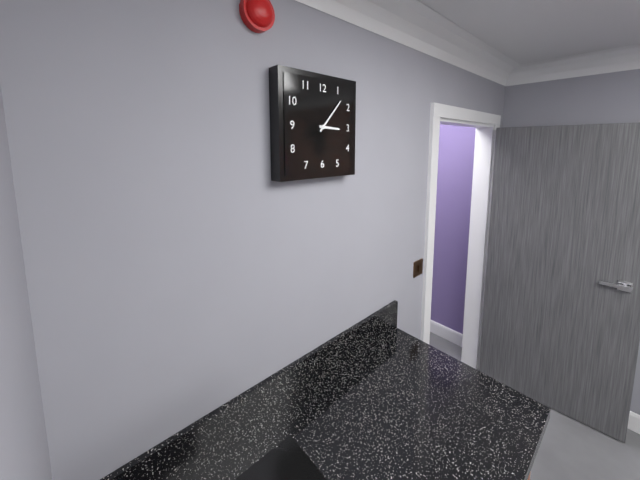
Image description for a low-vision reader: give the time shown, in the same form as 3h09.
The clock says 3h07
